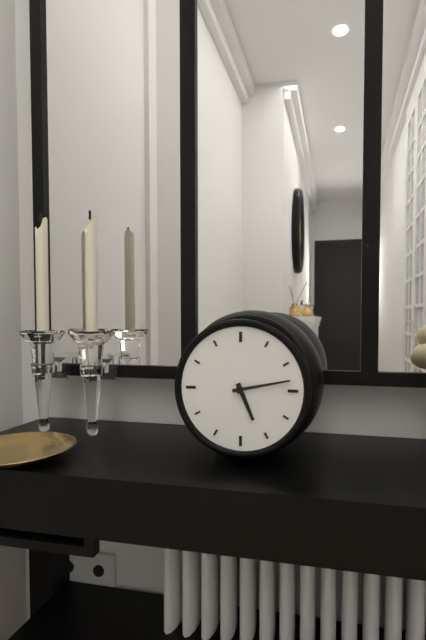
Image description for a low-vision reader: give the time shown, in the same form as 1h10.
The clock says 5h13
